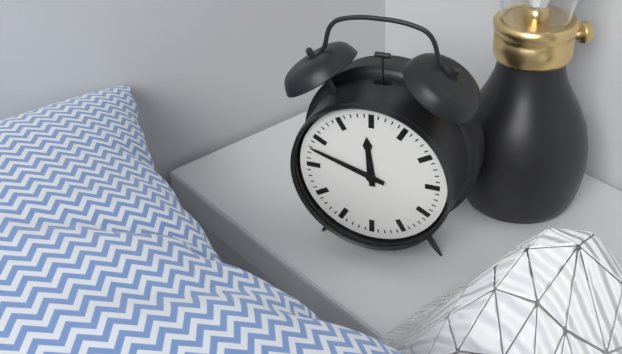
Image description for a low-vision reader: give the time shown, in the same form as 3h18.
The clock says 11h48
